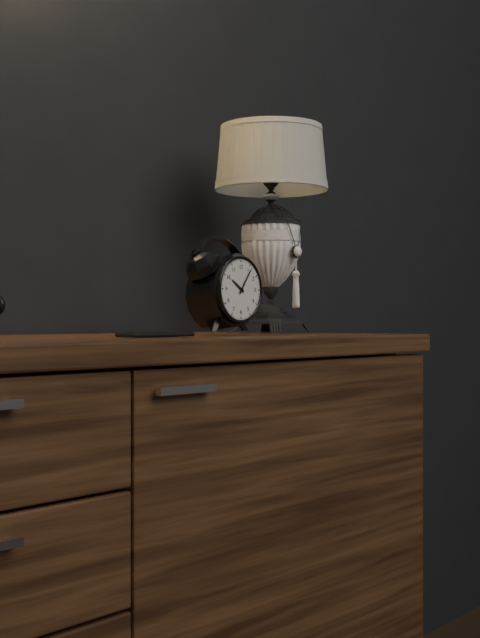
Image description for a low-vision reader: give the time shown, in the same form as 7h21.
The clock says 10h06
